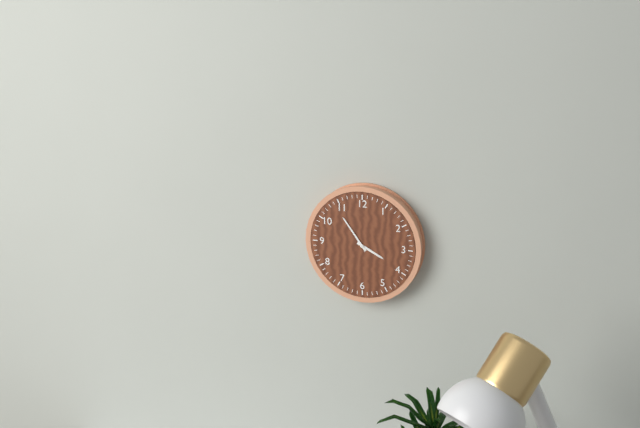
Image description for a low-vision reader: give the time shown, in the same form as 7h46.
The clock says 3h54
